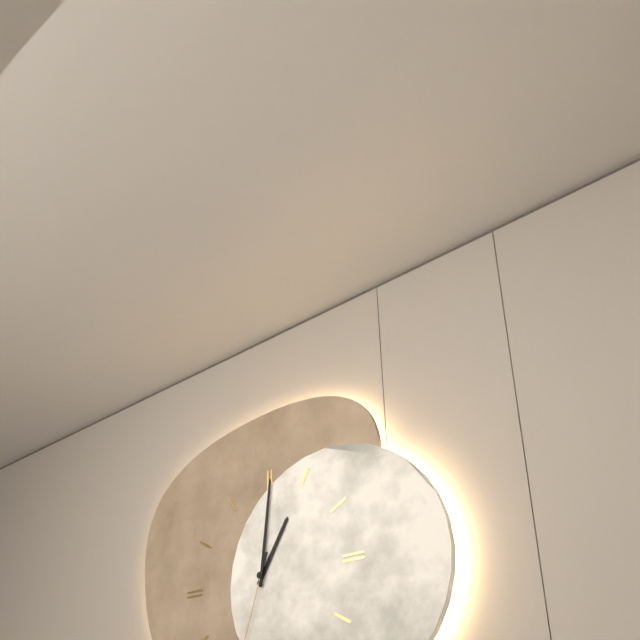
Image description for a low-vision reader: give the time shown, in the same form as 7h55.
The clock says 1h01
